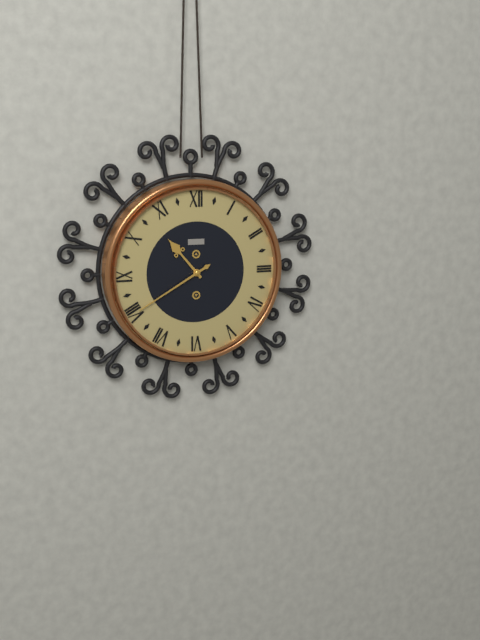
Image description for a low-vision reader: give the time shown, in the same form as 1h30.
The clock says 10h40
